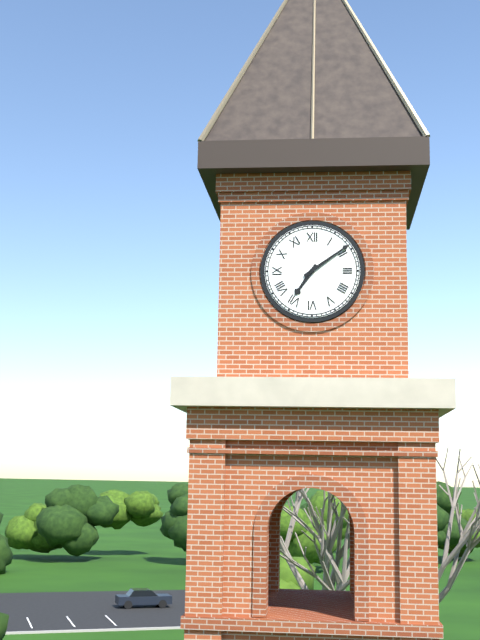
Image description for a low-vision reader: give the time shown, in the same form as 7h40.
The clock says 7h09
